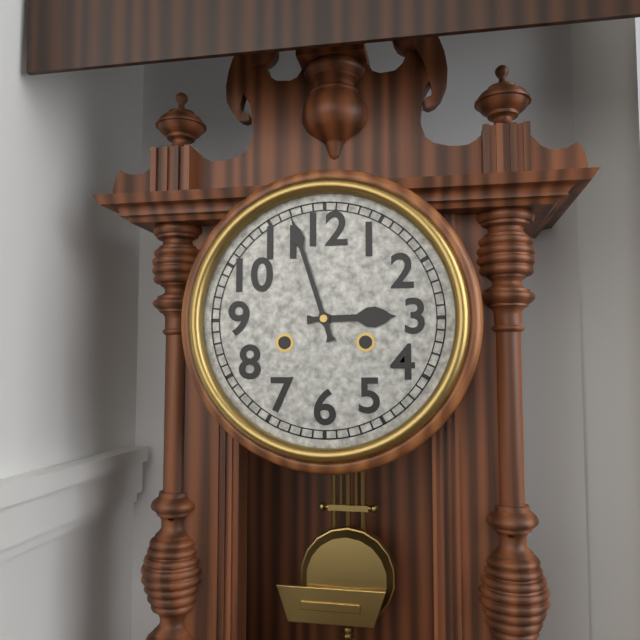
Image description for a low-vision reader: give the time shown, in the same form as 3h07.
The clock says 2h57
